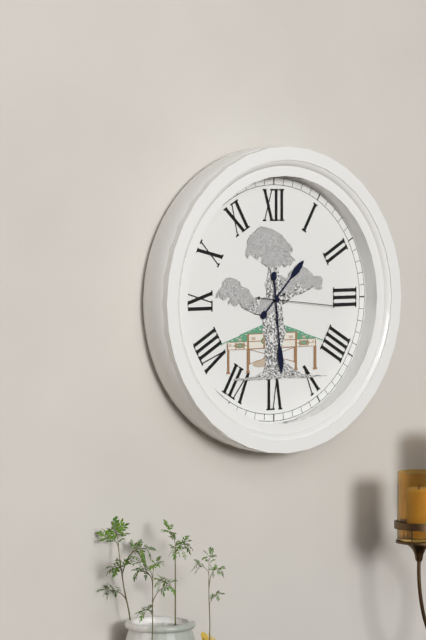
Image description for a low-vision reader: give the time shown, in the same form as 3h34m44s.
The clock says 1h29m16s
